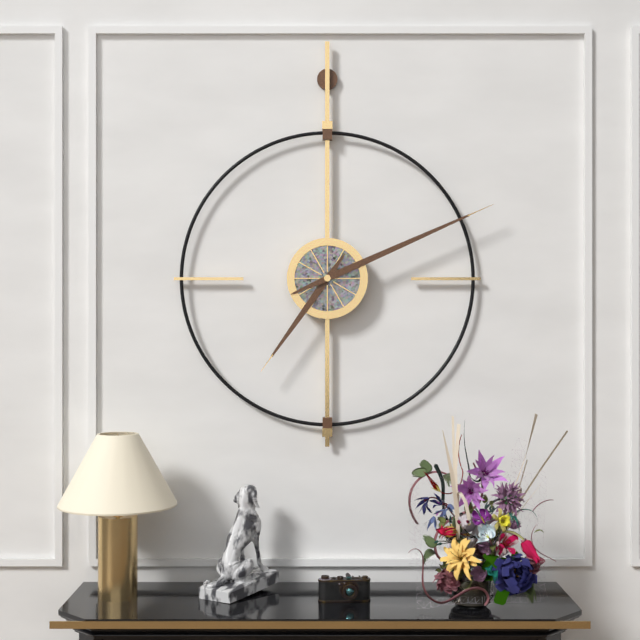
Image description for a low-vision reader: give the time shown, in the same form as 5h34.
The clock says 7h11
